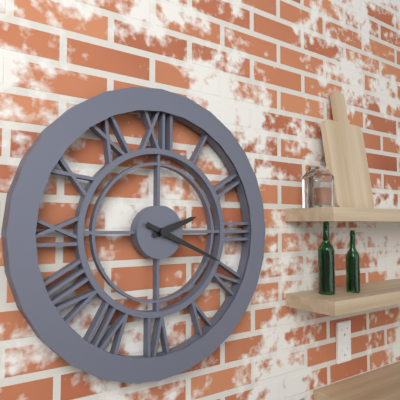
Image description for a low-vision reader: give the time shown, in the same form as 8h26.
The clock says 2h19
